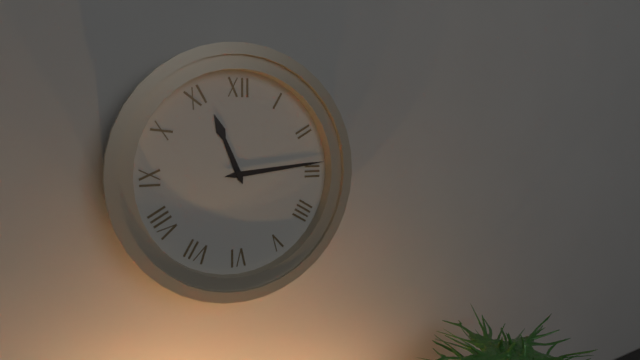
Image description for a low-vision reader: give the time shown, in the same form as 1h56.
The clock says 11h14
